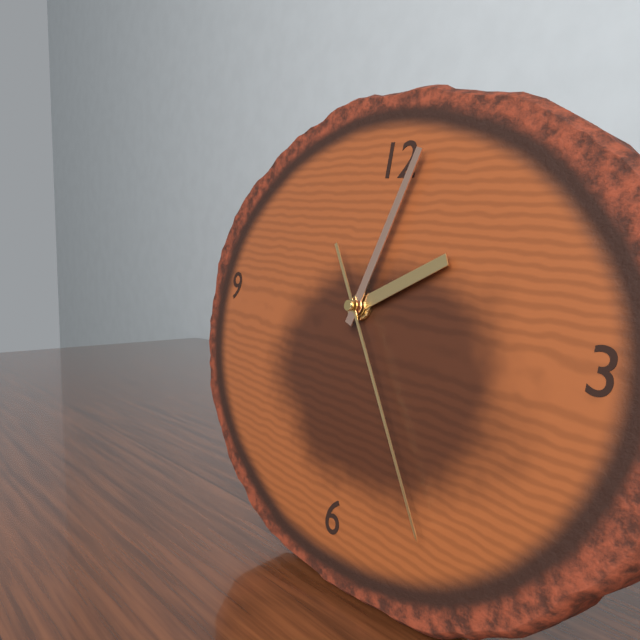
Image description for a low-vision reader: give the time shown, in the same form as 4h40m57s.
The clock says 2h03m24s
